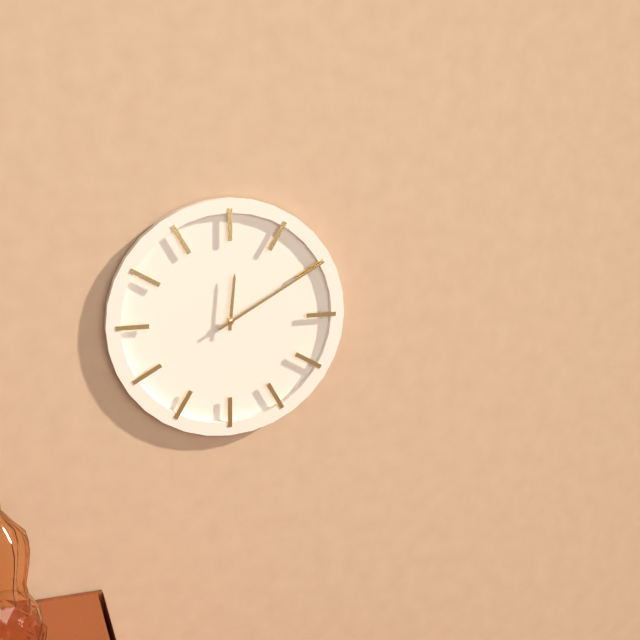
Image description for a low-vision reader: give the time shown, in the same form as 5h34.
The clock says 12h10
